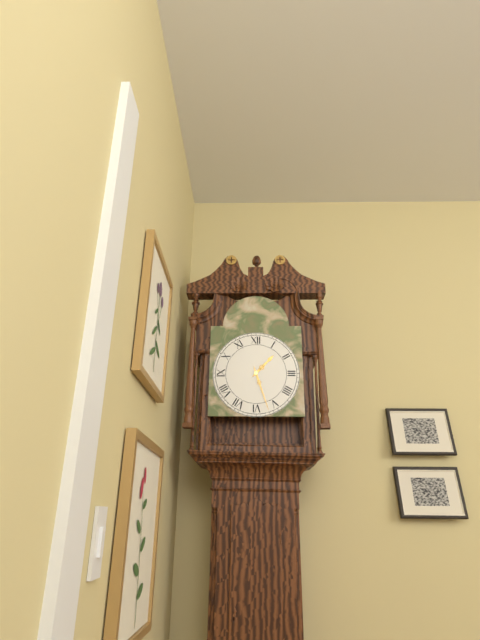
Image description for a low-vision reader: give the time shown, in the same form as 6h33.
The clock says 1h27
